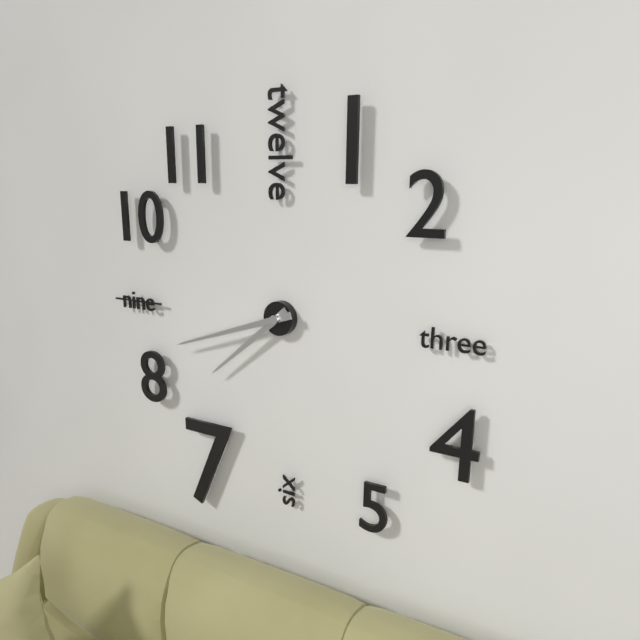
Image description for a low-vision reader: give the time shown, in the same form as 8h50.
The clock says 7h42
